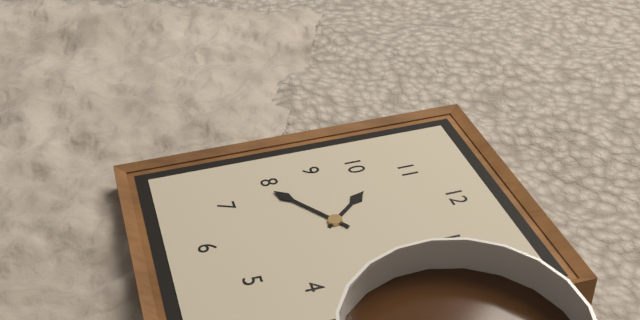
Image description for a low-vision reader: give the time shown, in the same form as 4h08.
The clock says 10h39
